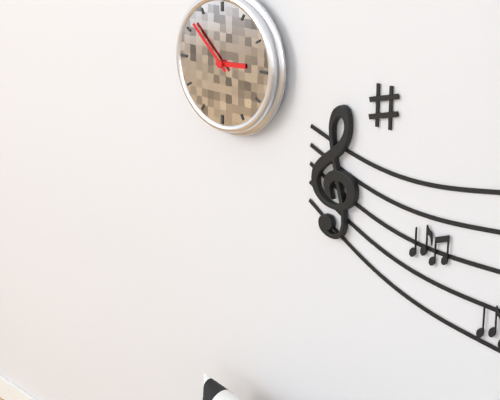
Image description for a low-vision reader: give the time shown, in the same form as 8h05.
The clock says 2h52
